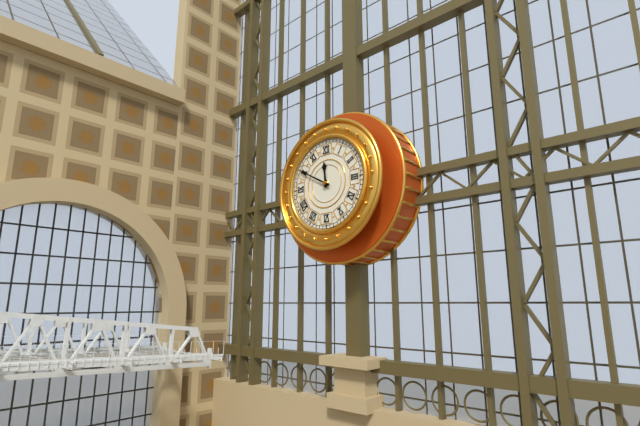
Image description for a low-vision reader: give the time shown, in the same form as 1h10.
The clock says 11h50
